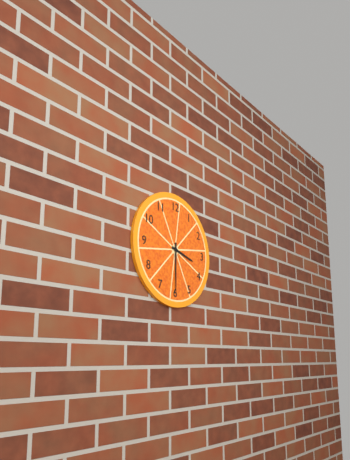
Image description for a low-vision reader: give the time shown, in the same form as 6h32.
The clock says 3h30
